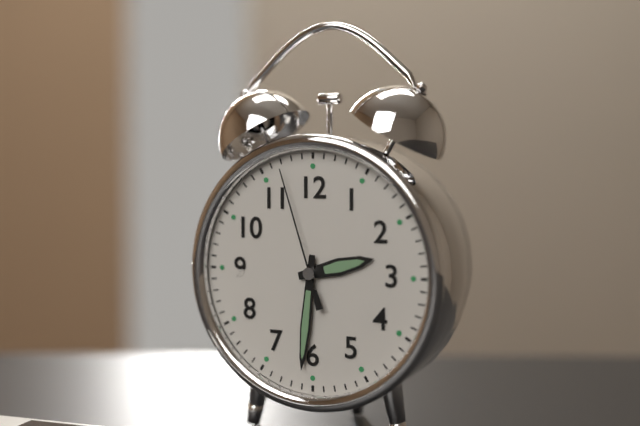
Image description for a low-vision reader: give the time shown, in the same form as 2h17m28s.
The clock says 2h31m57s
